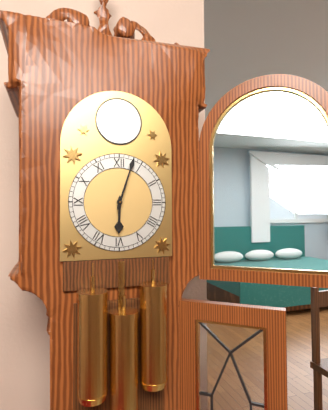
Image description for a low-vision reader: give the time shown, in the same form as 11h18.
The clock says 6h03
